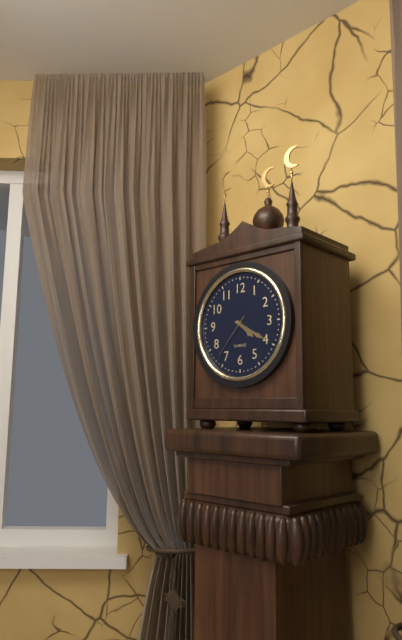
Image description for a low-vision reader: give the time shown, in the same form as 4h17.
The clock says 4h20
